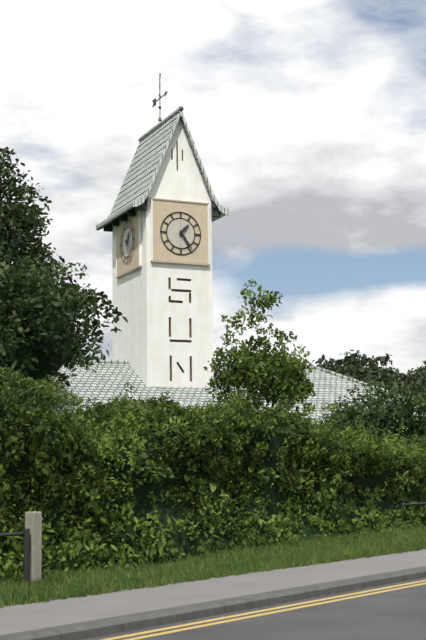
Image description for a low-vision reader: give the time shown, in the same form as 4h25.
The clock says 1h24
